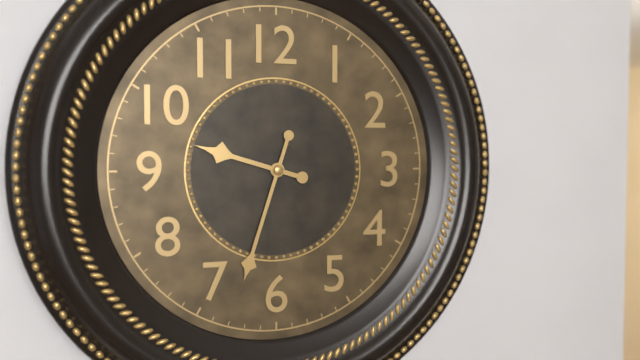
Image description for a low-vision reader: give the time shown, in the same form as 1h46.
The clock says 9h33
